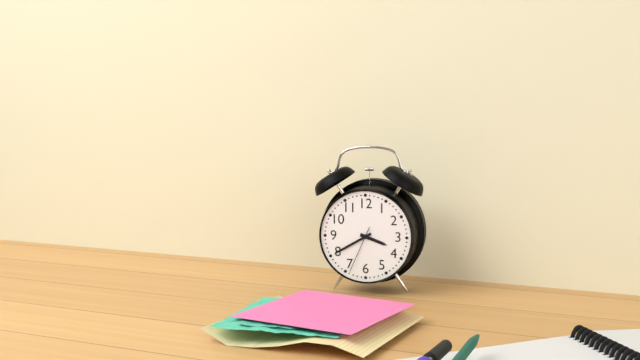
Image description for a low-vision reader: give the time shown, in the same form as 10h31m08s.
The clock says 3h40m34s
